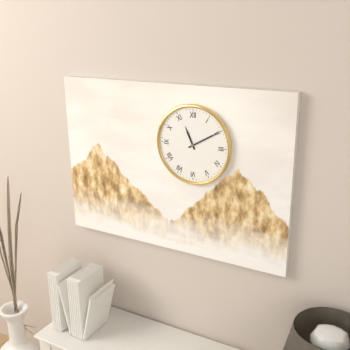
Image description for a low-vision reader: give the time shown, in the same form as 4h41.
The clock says 11h10
